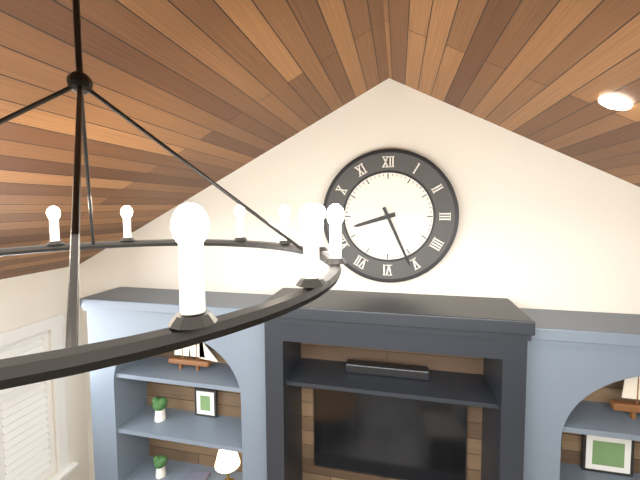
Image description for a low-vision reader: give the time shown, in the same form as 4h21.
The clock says 8h26
